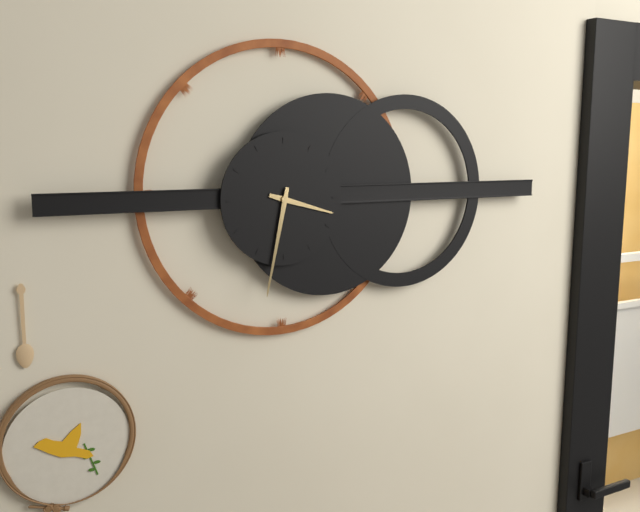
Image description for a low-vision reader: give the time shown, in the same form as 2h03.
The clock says 3h32
